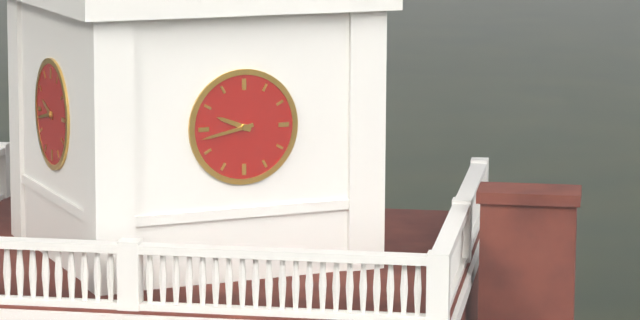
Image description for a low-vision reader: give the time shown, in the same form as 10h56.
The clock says 9h43
